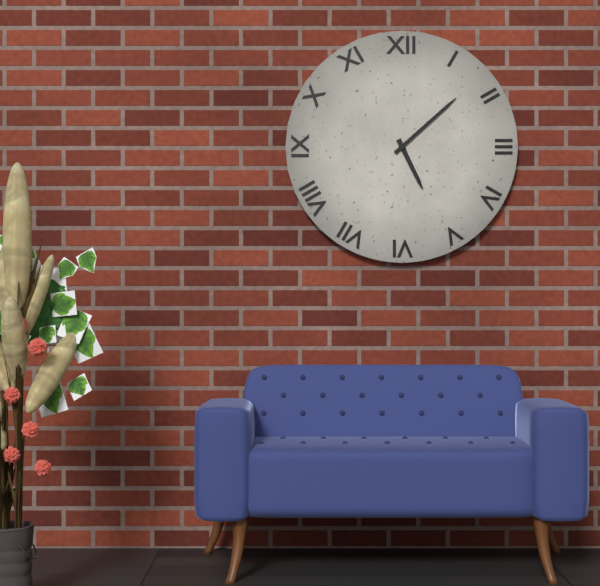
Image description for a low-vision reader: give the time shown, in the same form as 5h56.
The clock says 5h08
